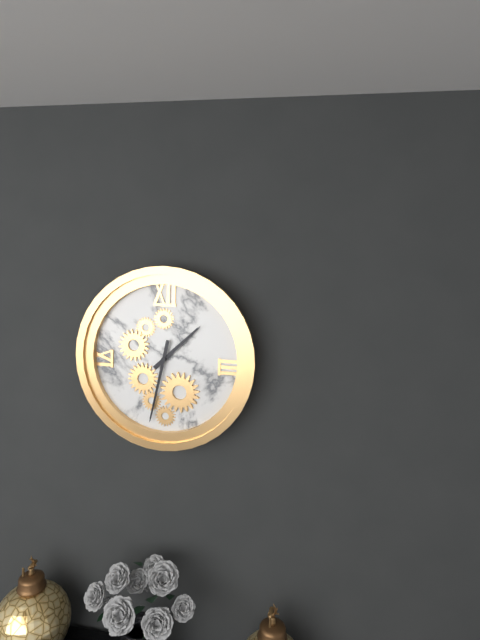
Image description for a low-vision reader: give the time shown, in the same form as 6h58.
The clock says 1h32
